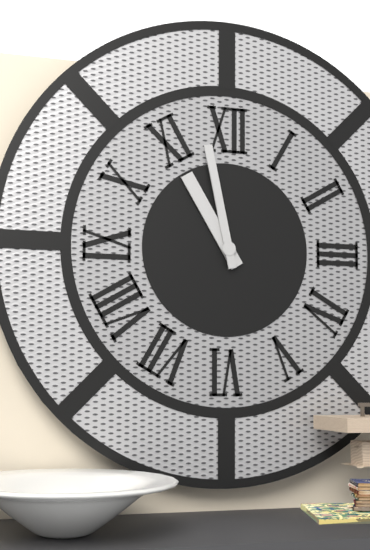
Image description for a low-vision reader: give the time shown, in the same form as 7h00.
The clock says 10h58
